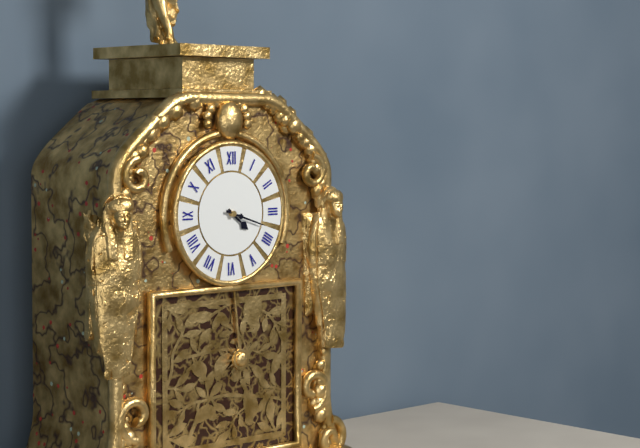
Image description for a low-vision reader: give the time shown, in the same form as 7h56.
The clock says 4h18
